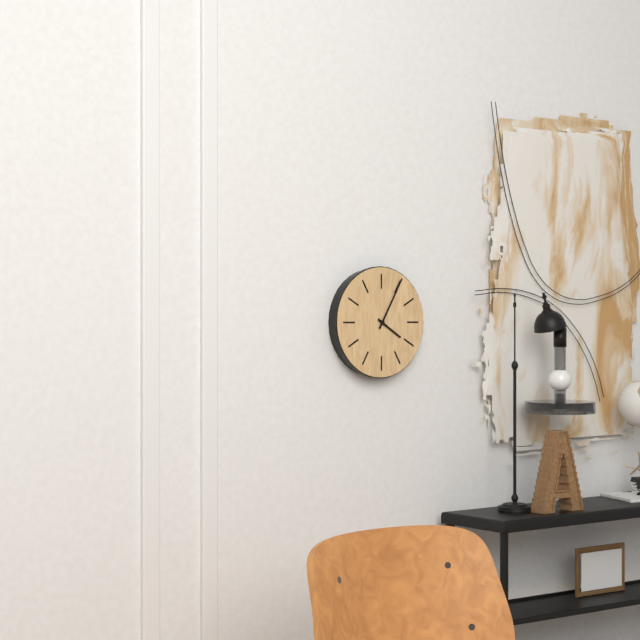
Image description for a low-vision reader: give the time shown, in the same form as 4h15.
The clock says 4h05
